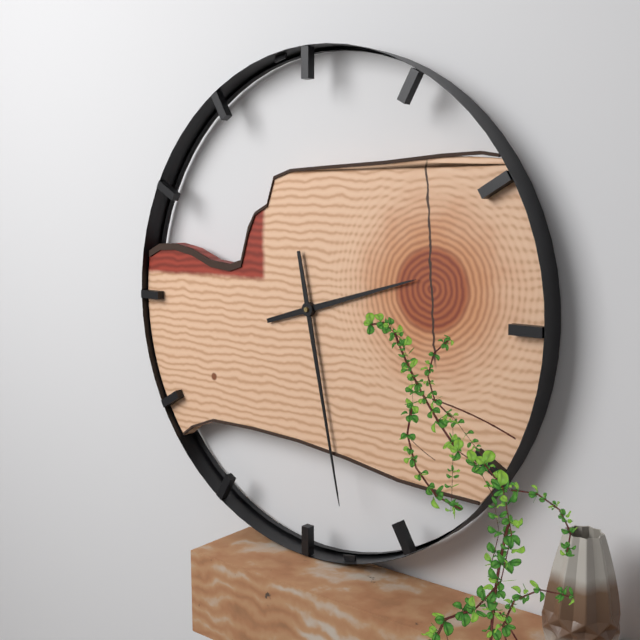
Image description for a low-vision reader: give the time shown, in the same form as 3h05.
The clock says 2h28
